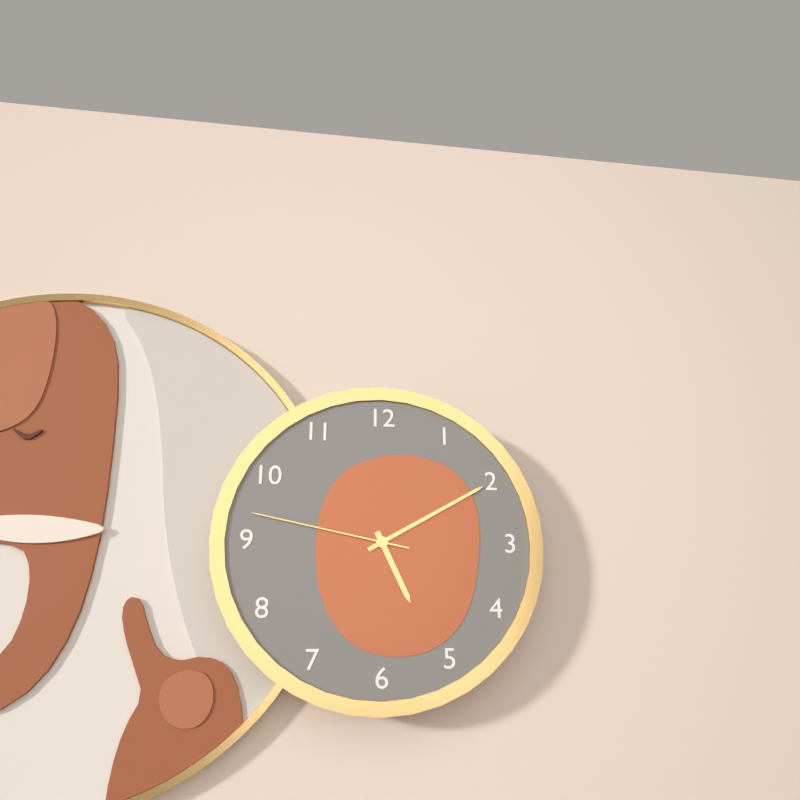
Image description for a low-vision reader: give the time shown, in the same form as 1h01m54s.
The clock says 5h10m47s
